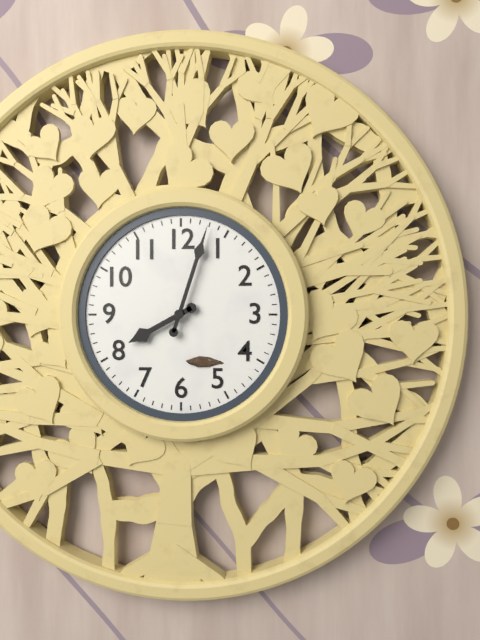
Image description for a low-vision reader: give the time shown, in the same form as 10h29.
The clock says 8h03
